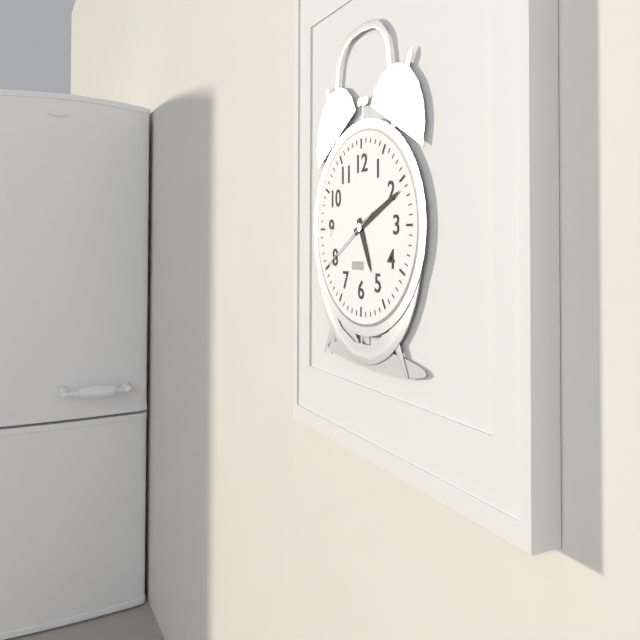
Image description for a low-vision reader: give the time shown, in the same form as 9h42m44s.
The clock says 5h11m40s
